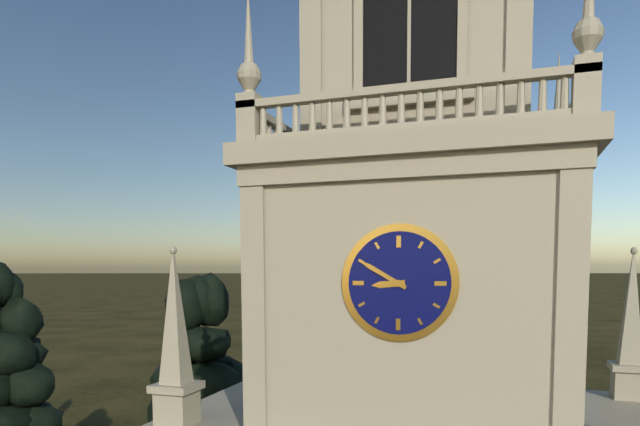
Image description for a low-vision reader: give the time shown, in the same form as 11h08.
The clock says 8h50
